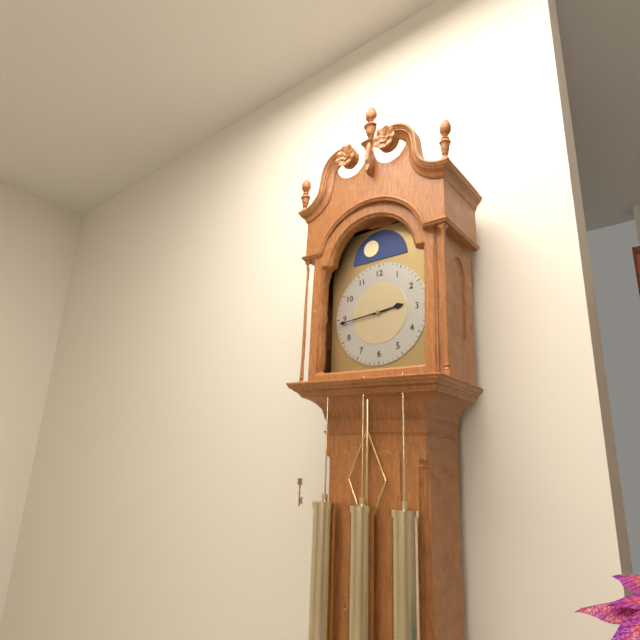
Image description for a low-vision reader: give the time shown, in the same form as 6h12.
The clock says 2h44
